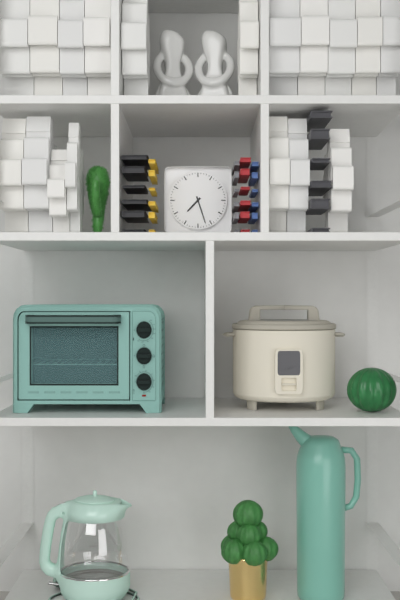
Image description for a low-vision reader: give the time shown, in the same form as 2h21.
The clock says 7h27
